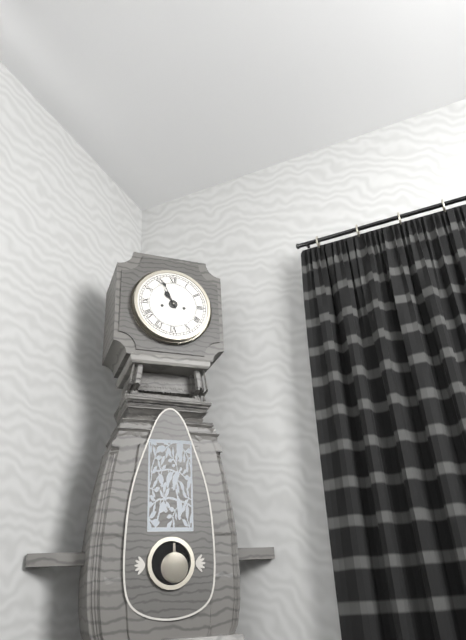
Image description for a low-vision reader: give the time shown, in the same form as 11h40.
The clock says 10h56
